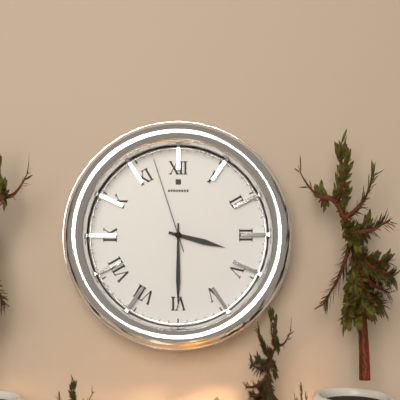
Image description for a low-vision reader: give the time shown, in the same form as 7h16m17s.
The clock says 3h30m57s
